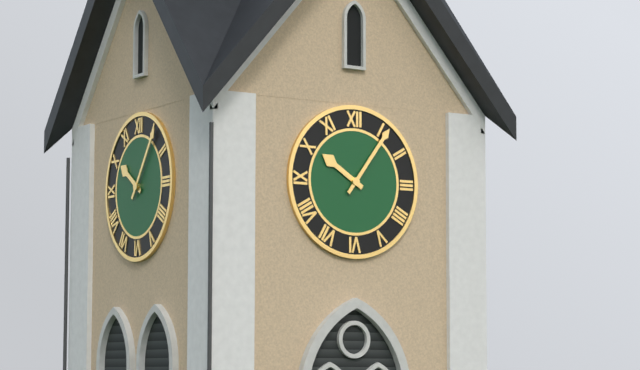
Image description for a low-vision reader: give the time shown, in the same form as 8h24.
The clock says 10h06
